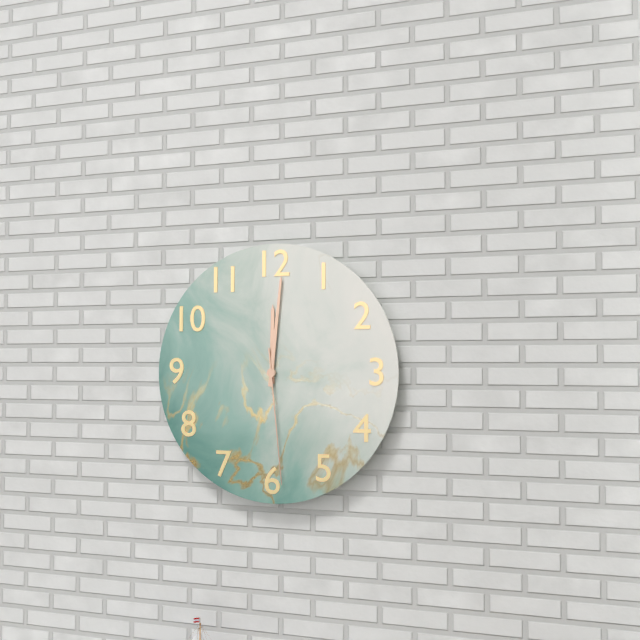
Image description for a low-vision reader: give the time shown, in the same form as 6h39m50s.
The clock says 12h01m29s
